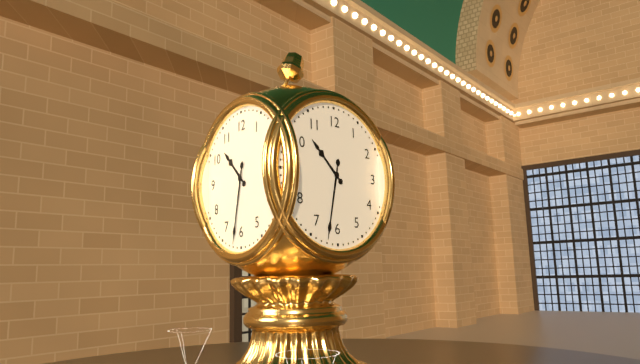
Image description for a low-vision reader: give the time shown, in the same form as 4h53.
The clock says 10h32
